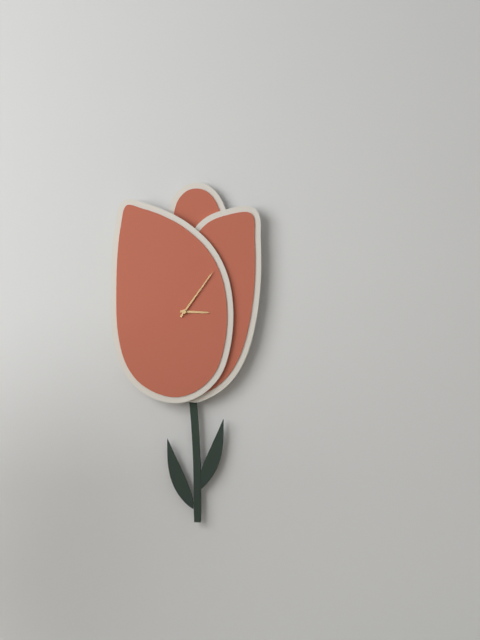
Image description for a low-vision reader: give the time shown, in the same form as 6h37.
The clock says 3h06
